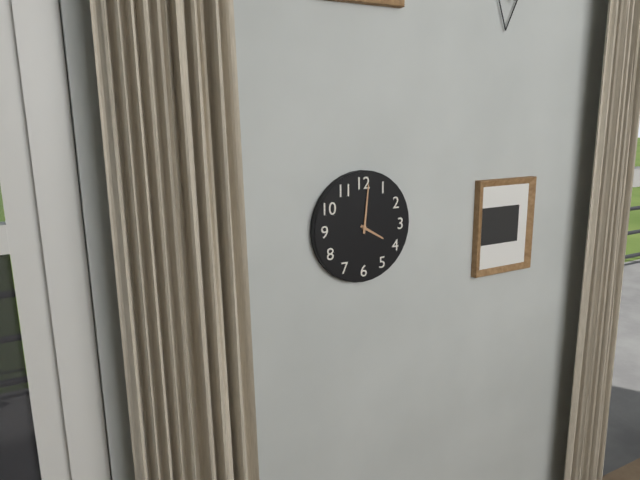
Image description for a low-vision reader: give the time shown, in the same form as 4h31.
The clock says 4h01
